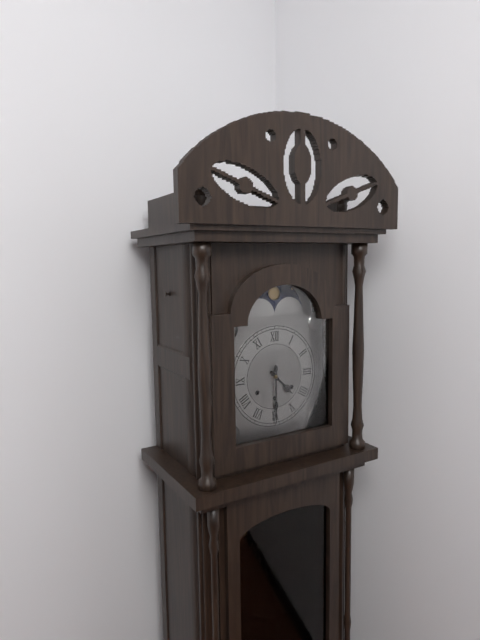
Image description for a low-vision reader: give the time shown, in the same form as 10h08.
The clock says 4h30
